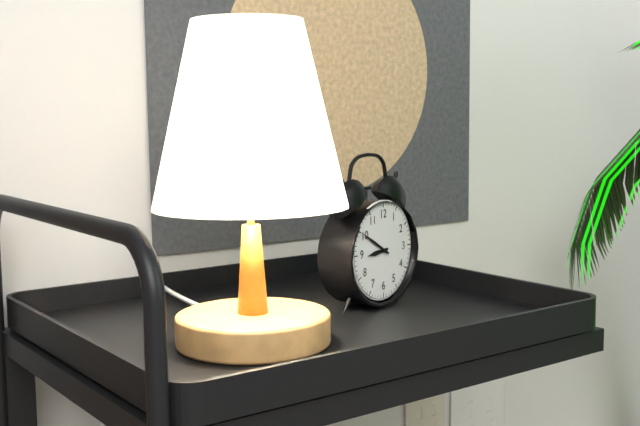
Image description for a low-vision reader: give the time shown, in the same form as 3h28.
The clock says 8h50
